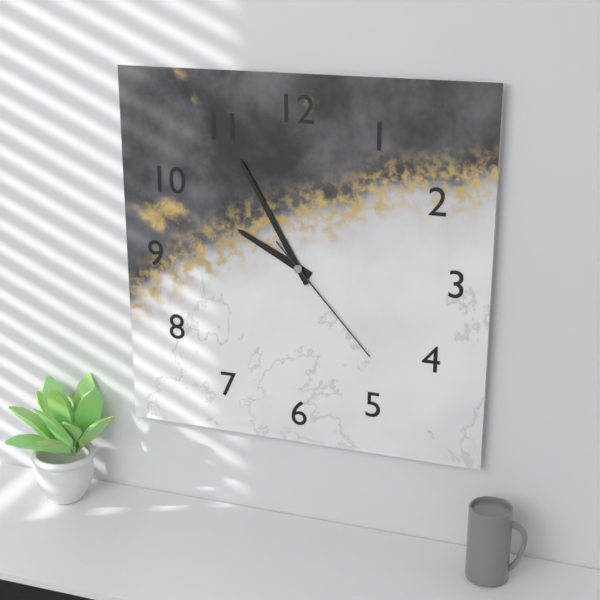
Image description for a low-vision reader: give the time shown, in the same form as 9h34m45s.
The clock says 9h55m23s
